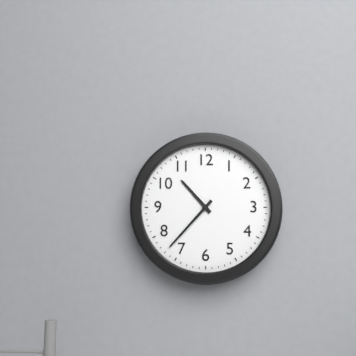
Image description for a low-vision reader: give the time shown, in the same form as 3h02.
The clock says 10h37
